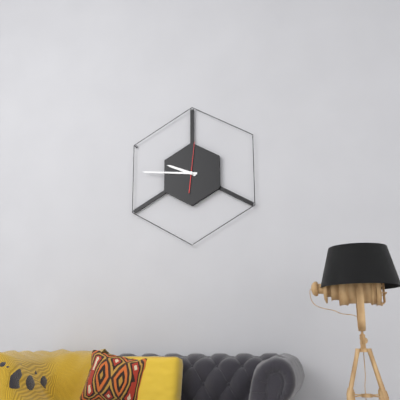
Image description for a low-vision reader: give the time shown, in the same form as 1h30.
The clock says 9h46
